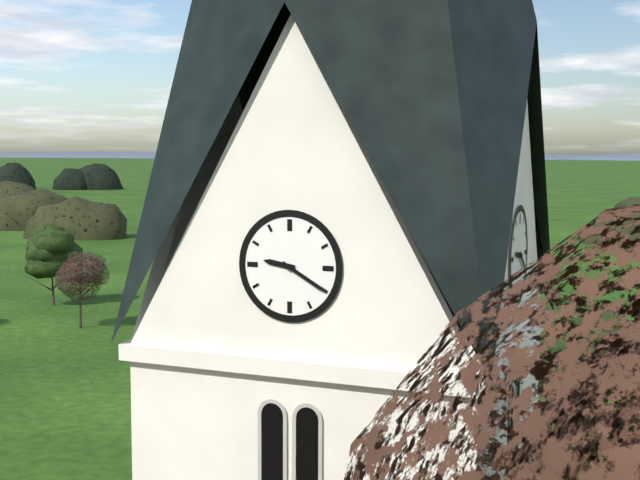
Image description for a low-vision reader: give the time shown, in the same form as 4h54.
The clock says 9h20
